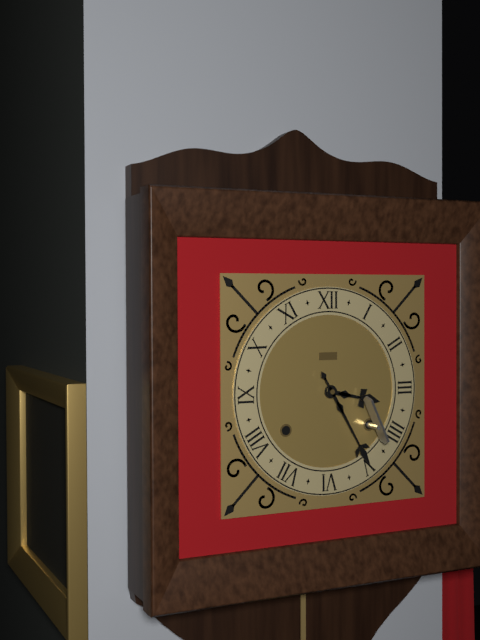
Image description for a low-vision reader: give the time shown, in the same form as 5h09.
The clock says 3h25
